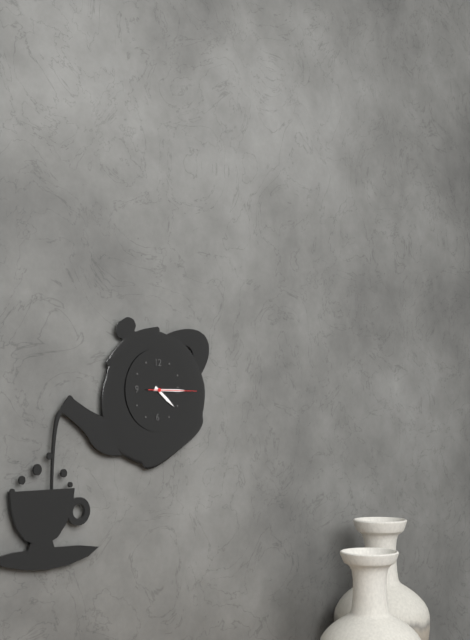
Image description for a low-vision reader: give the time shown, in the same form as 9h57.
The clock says 4h15
